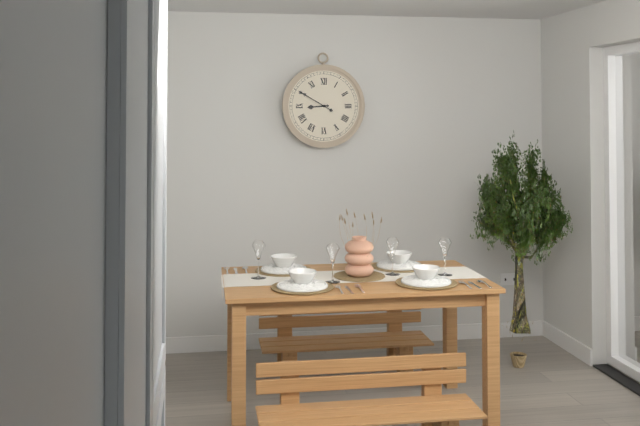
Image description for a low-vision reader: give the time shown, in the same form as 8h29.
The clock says 8h50
